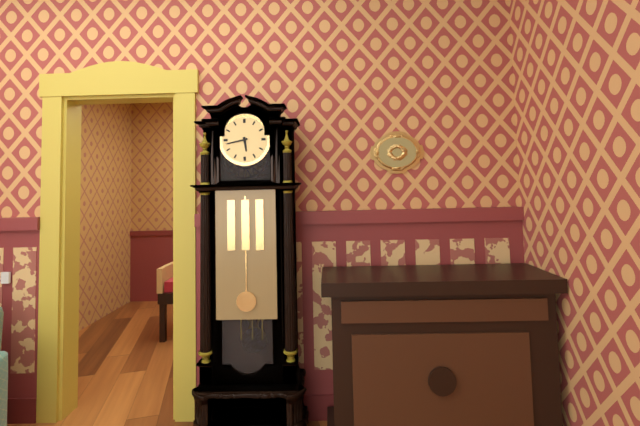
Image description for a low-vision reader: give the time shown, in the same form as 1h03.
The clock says 5h43
